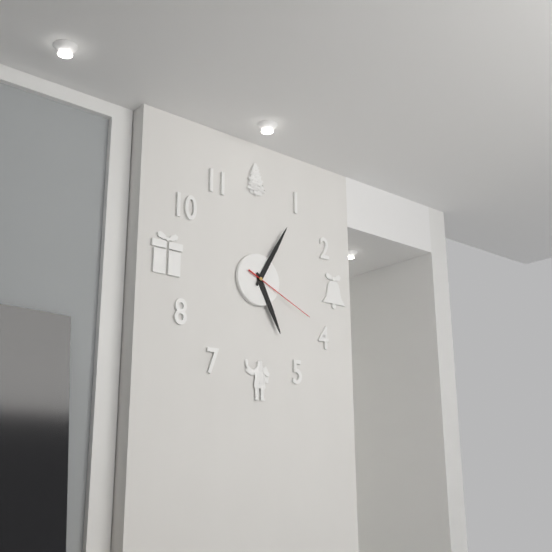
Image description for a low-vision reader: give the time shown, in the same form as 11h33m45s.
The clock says 5h05m19s
